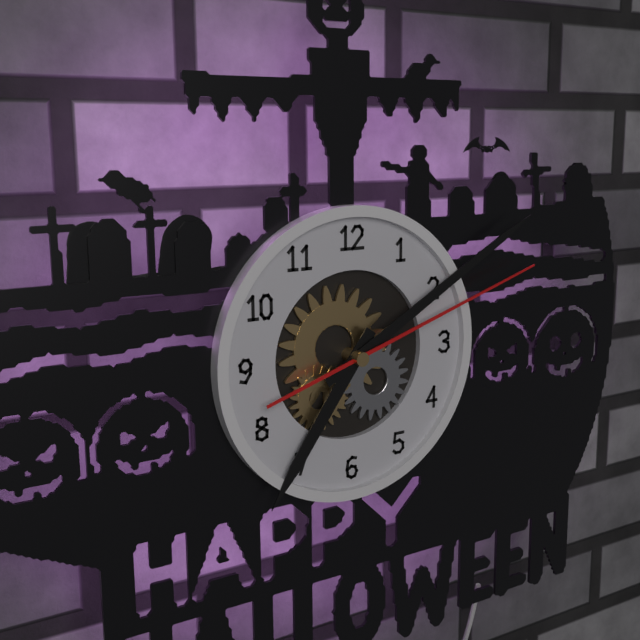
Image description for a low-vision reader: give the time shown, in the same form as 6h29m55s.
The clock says 7h10m12s
